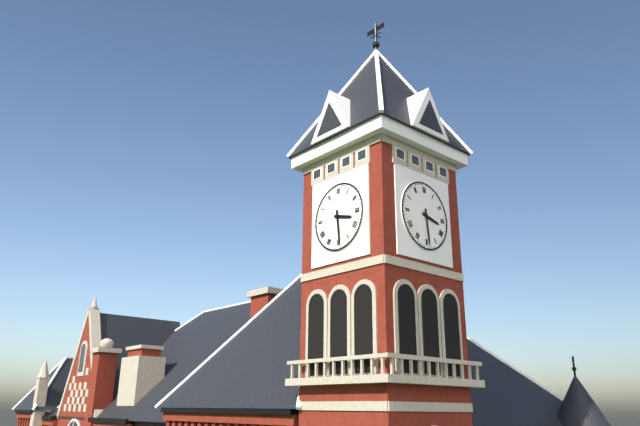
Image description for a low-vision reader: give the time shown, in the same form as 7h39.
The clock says 3h29
